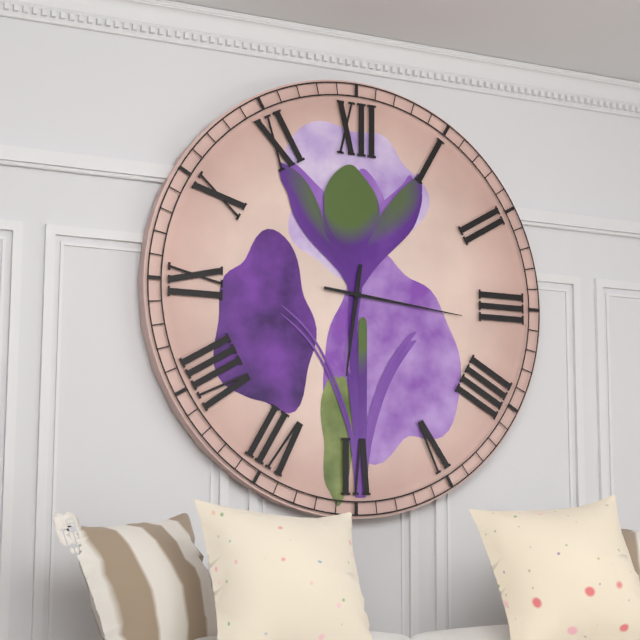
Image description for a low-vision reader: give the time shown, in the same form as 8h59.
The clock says 6h16
